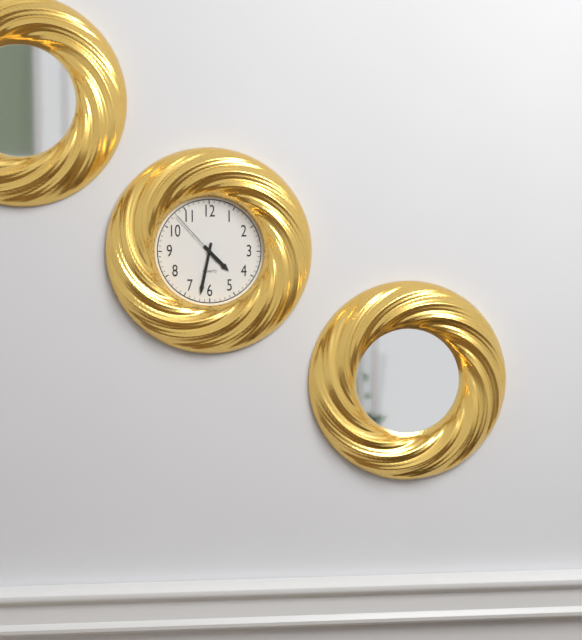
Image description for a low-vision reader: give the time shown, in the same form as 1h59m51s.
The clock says 4h32m53s
